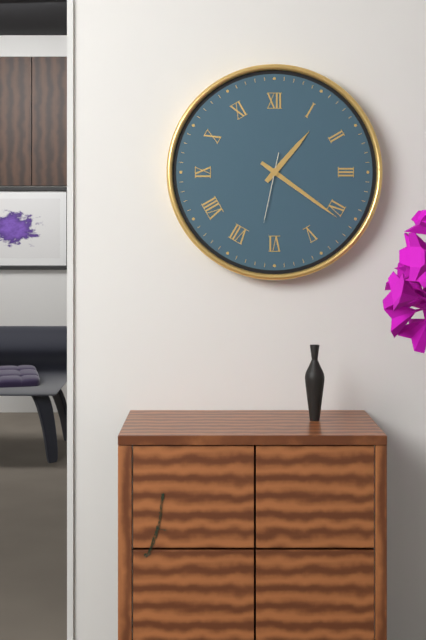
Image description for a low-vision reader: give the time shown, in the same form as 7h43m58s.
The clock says 1h21m32s
